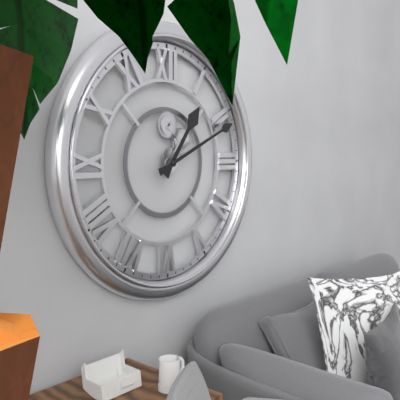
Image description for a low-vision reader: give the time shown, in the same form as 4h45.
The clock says 1h11
